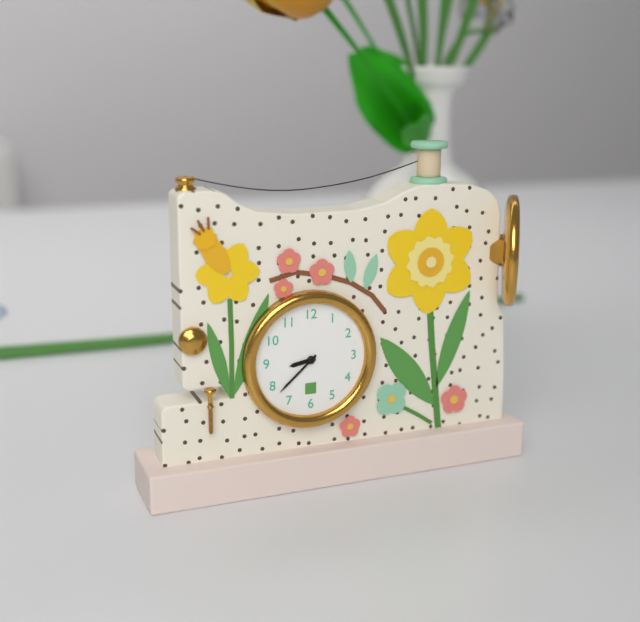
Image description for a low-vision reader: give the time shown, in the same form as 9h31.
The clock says 8h38
